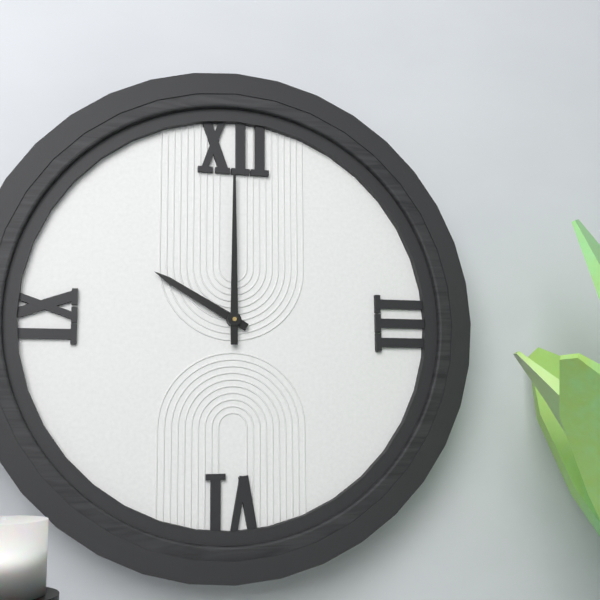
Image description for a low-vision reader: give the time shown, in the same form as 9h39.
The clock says 10h00
